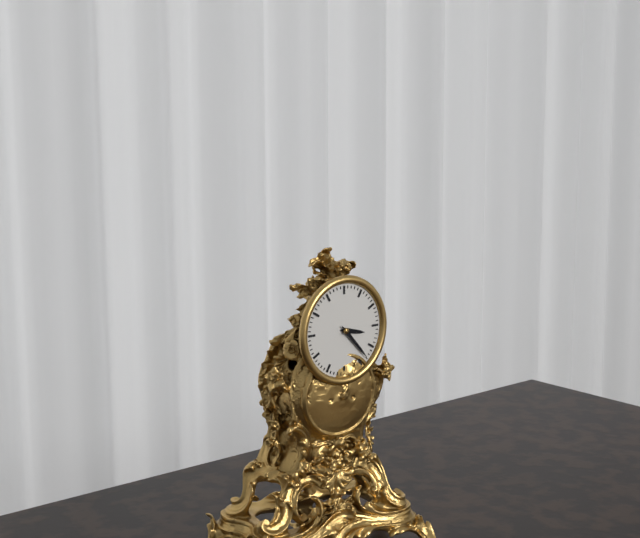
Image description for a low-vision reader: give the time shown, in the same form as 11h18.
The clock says 3h23
